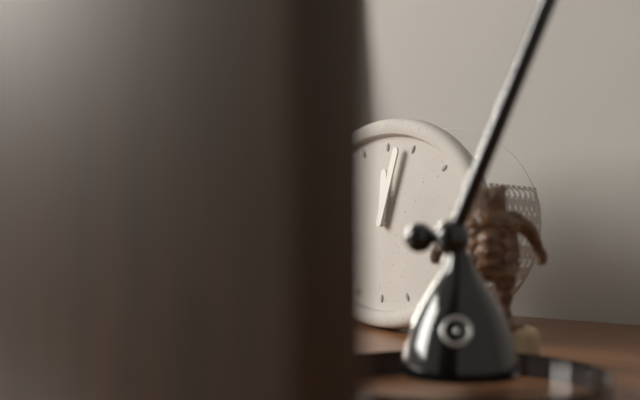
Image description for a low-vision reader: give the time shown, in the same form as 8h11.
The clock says 12h03
